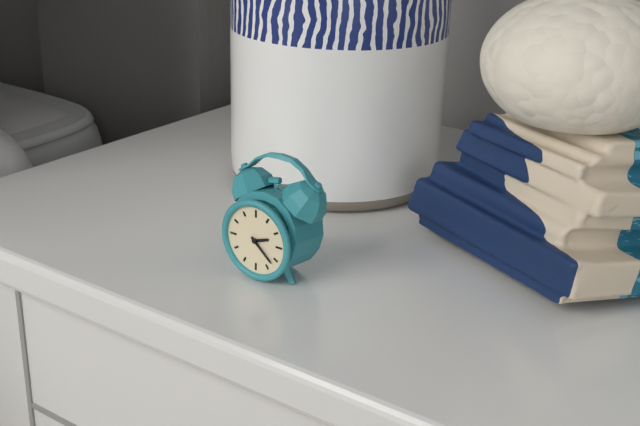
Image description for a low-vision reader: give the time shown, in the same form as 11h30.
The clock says 2h22
